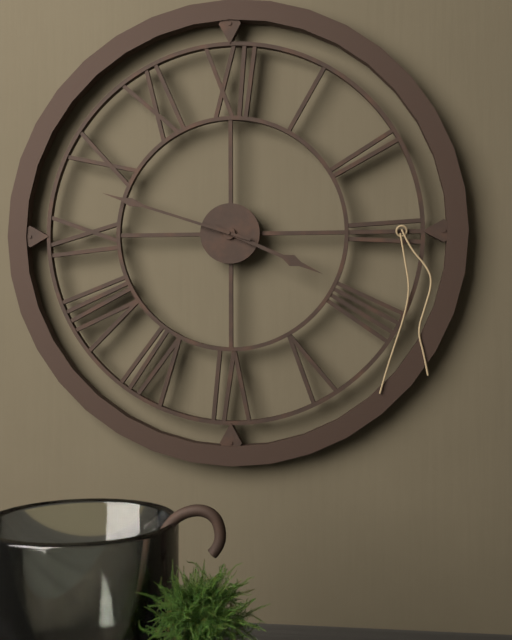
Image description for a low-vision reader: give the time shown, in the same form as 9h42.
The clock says 3h48
